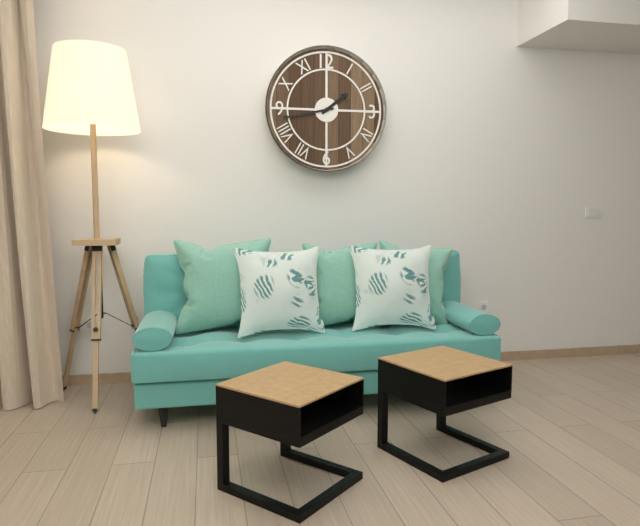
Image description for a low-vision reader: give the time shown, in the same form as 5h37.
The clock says 1h43
